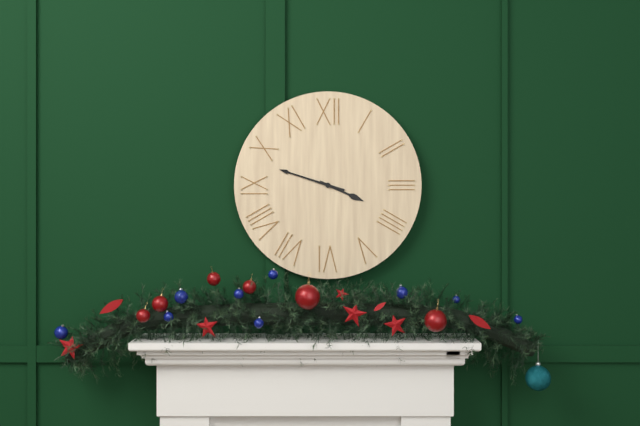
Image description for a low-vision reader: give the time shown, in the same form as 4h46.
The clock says 3h48
